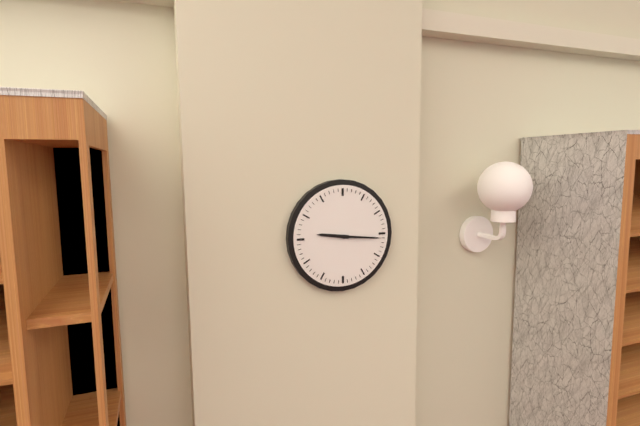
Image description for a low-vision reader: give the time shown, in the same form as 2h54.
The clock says 9h16
